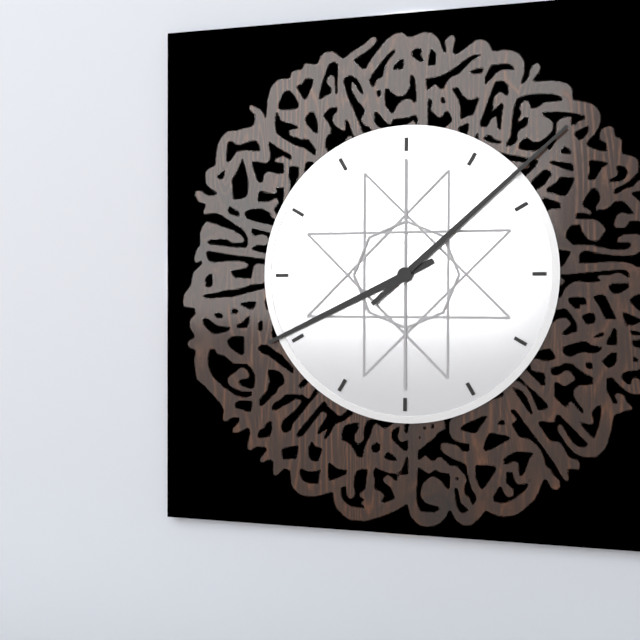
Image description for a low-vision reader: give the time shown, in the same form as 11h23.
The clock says 8h08
